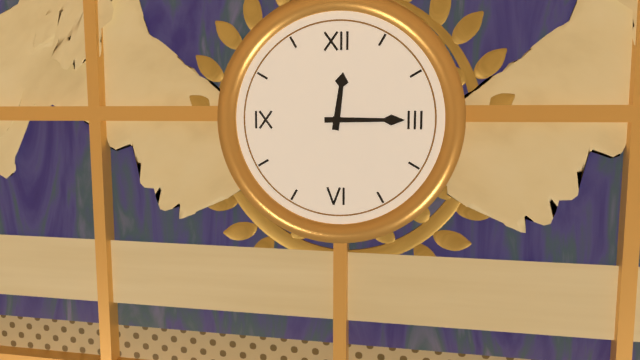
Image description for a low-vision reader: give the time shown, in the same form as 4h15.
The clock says 12h15
